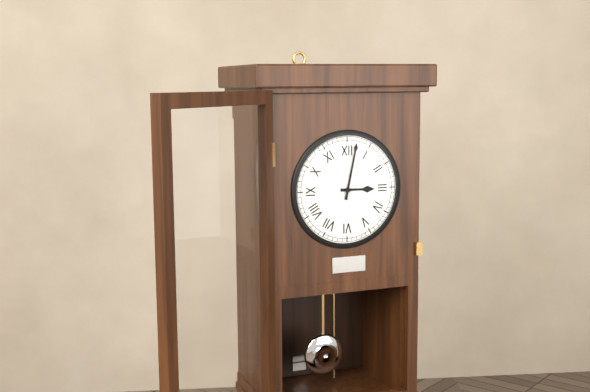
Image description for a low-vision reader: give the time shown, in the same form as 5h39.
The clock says 3h02
